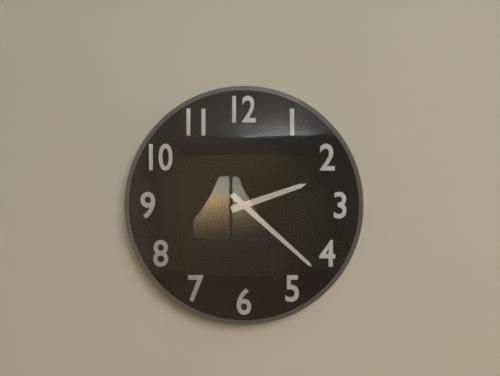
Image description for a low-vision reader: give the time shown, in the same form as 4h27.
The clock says 2h22
